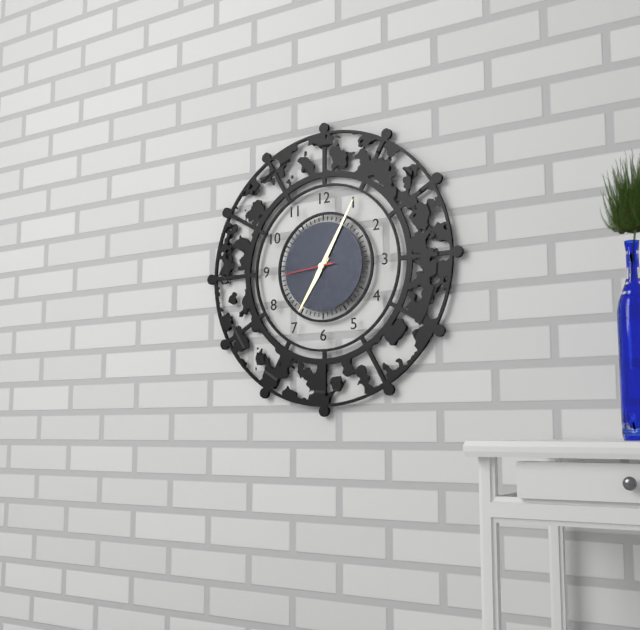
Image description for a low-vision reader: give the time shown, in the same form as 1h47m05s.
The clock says 7h05m44s
